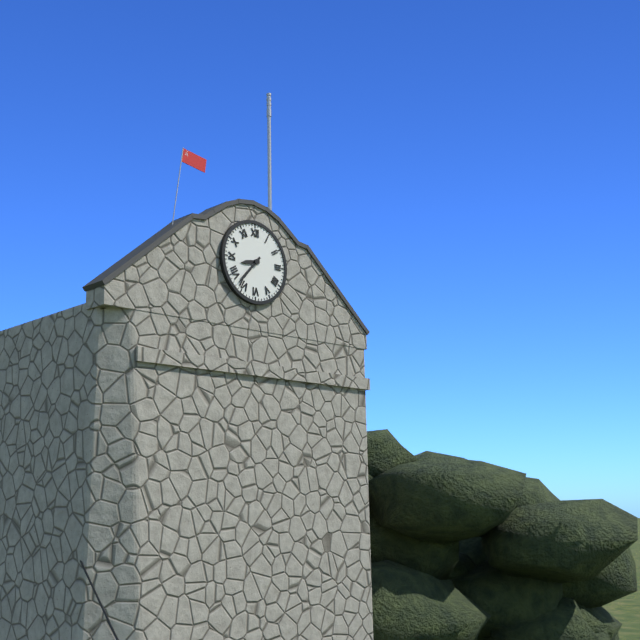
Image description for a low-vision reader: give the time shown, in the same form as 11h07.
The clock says 8h37
